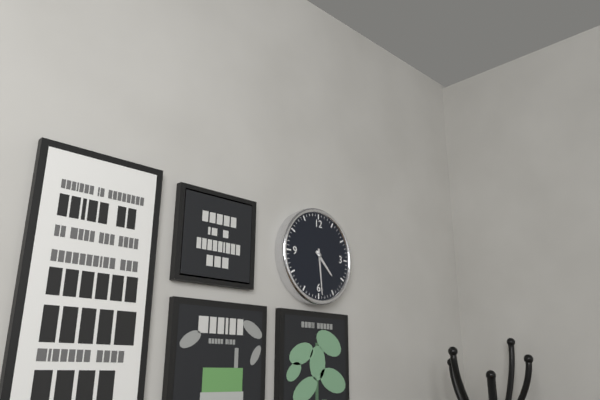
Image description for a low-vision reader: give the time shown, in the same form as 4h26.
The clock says 4h29
